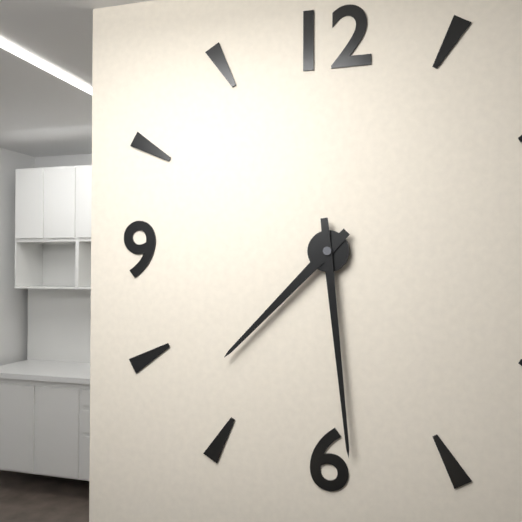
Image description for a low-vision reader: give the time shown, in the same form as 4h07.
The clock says 7h29
